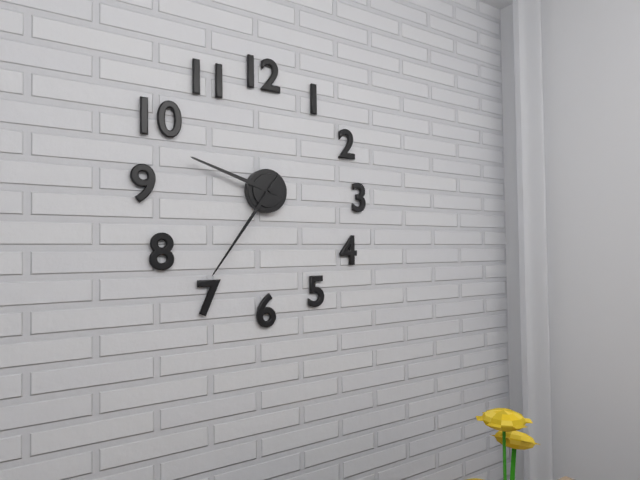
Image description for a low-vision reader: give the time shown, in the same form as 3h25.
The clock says 9h36
